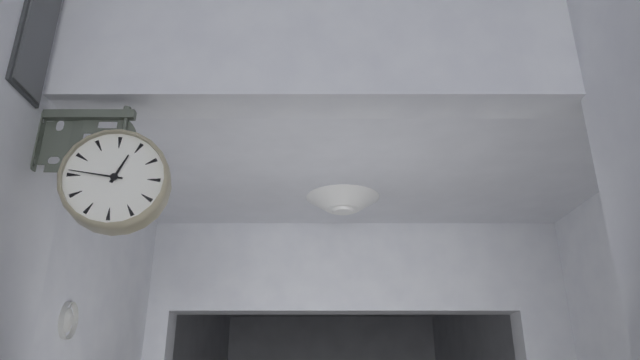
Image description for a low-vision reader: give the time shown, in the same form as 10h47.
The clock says 12h46
